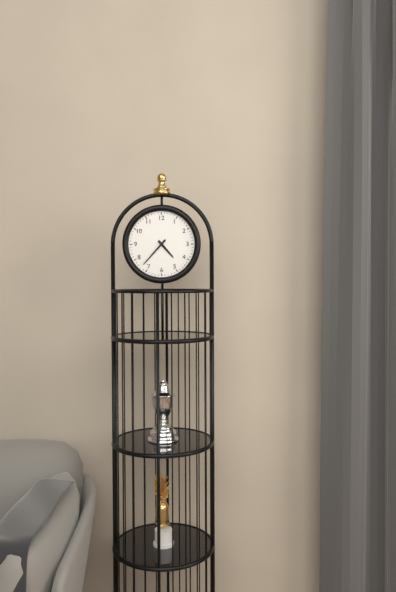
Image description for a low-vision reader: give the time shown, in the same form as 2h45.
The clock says 4h37
